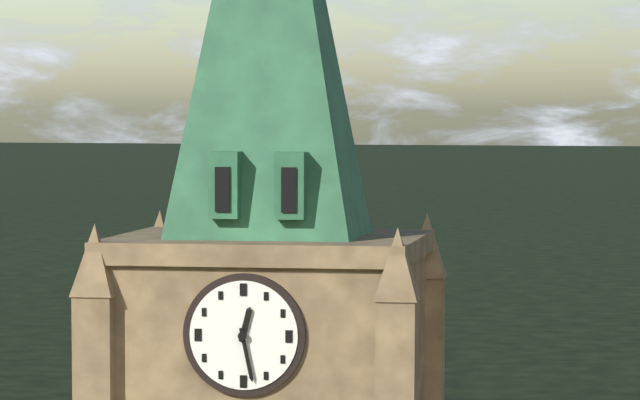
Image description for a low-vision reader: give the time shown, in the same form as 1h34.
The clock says 12h28
